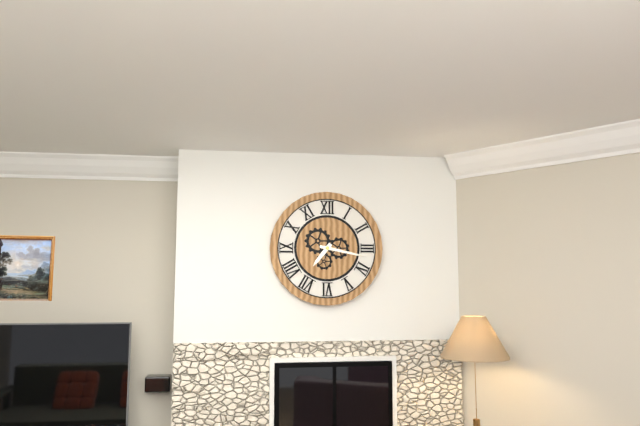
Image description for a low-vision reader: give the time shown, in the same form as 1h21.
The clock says 7h17
